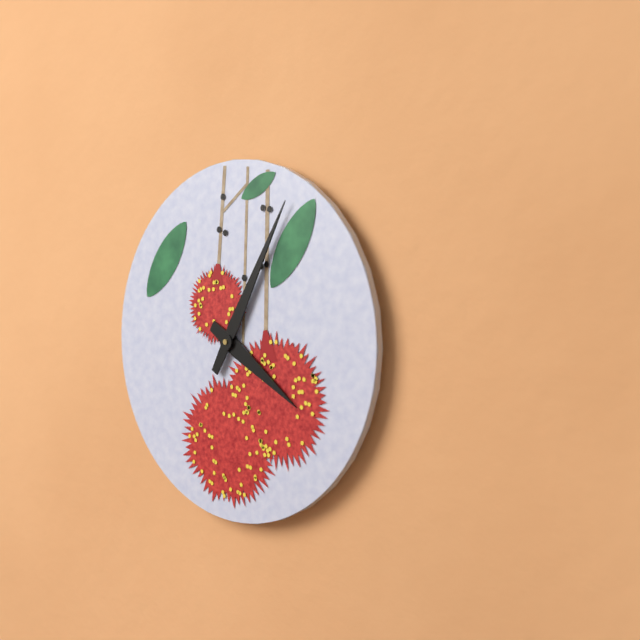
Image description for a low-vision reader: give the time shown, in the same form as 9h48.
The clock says 4h05
